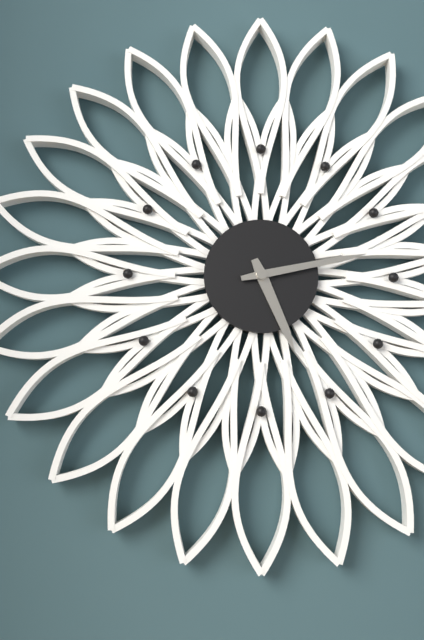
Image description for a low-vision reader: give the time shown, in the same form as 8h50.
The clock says 5h13
